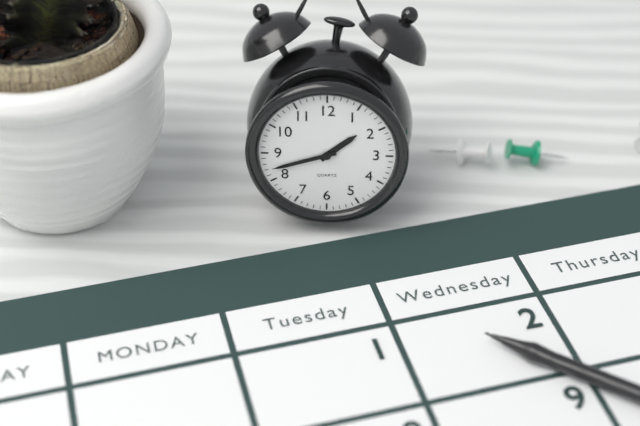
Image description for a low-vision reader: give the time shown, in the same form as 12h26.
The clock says 1h42
